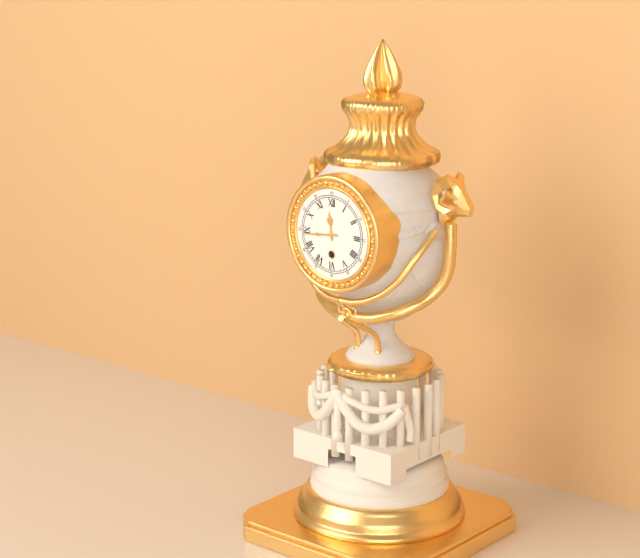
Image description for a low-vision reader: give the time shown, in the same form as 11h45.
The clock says 11h44
